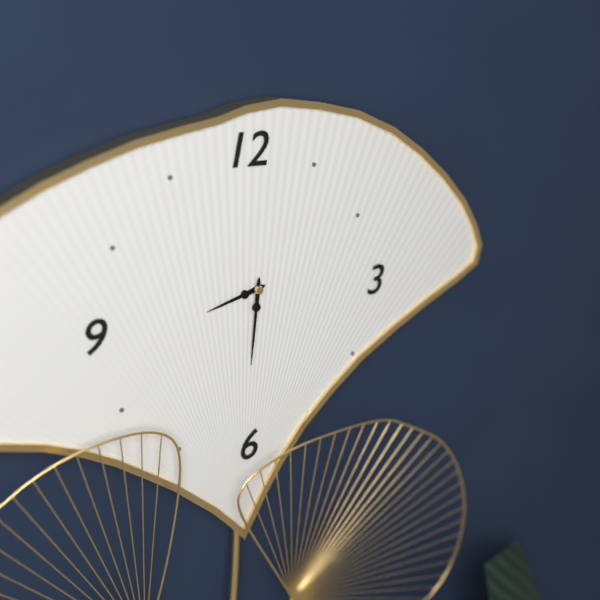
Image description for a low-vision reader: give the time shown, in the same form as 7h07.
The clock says 8h31
